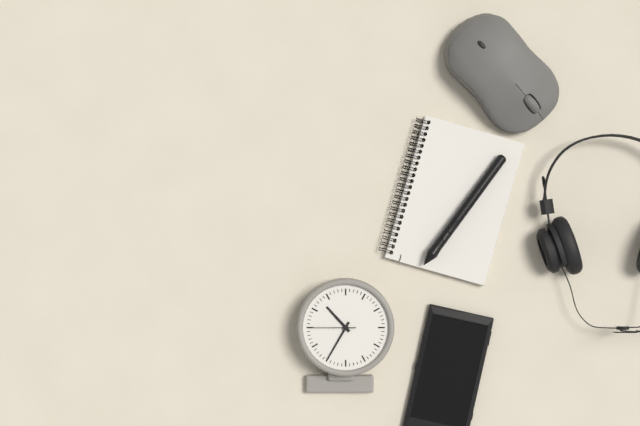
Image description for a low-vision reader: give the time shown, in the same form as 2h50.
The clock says 10h35
